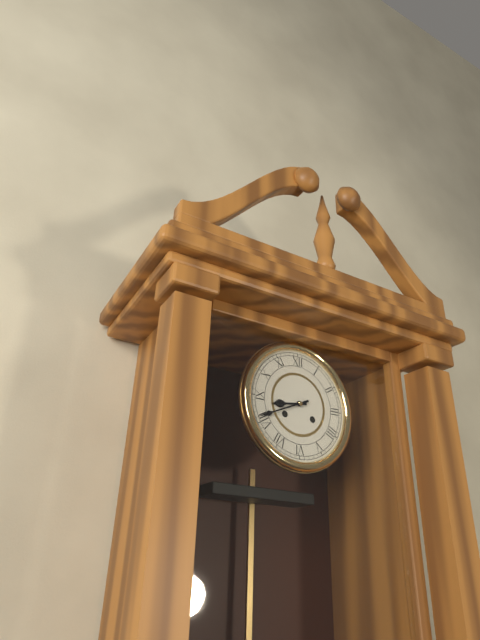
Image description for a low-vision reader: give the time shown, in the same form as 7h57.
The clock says 8h41
